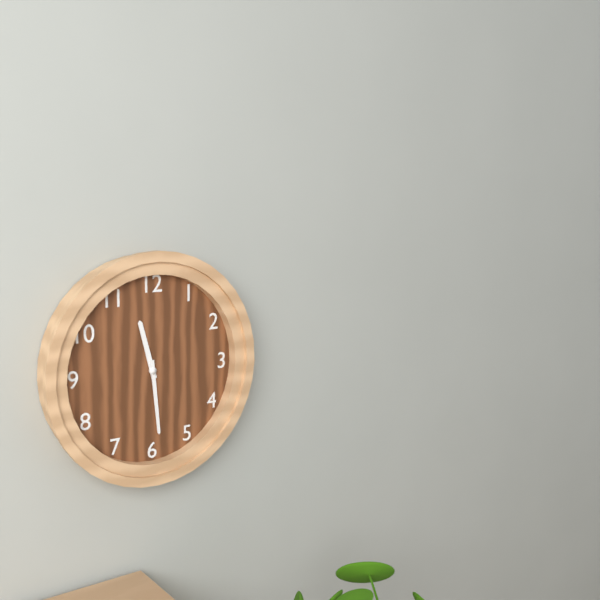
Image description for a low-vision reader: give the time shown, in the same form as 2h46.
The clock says 11h29
